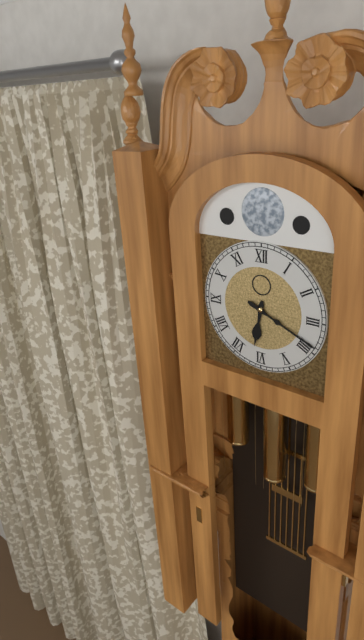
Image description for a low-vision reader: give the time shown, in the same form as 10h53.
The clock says 6h19
